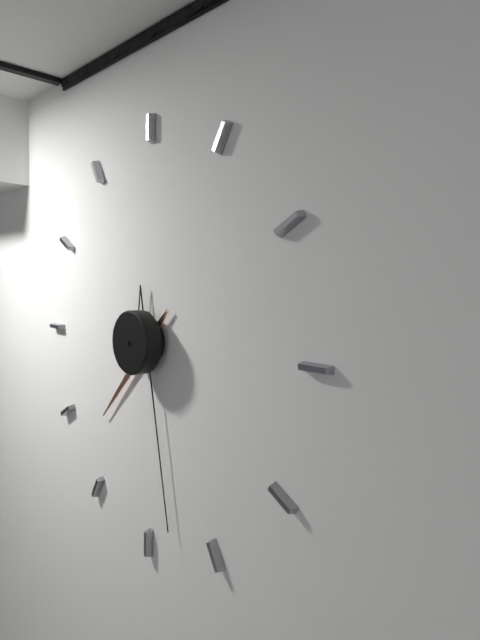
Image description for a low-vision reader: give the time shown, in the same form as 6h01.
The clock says 7h28
